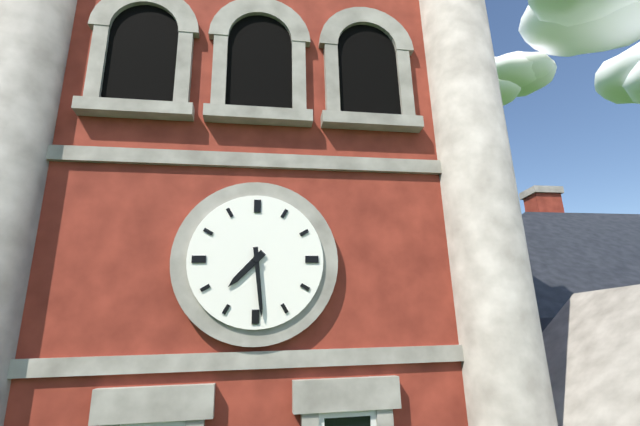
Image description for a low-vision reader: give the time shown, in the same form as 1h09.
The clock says 7h29
